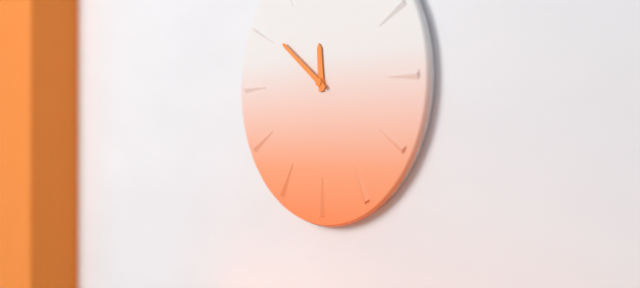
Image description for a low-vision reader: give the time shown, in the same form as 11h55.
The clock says 11h51
